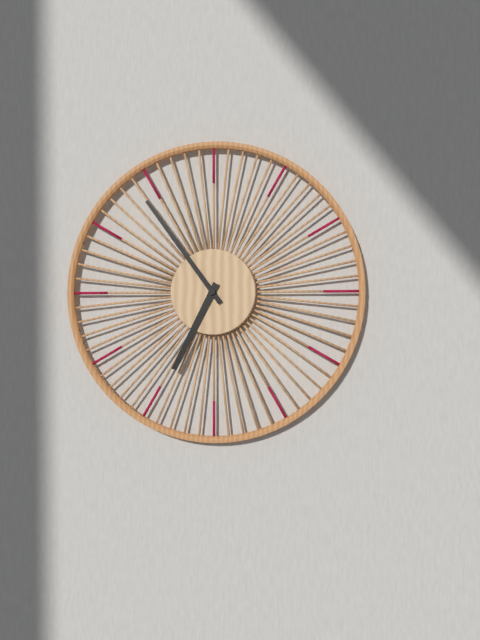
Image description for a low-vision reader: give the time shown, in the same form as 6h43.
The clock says 6h54
